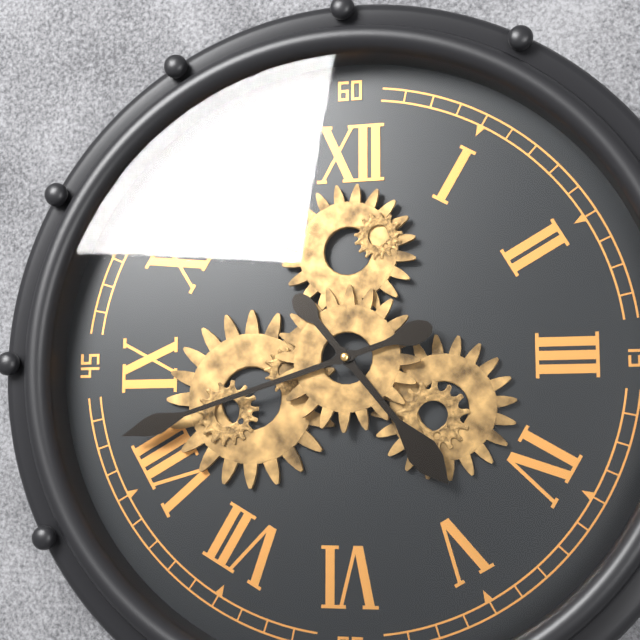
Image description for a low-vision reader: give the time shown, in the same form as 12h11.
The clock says 4h42
